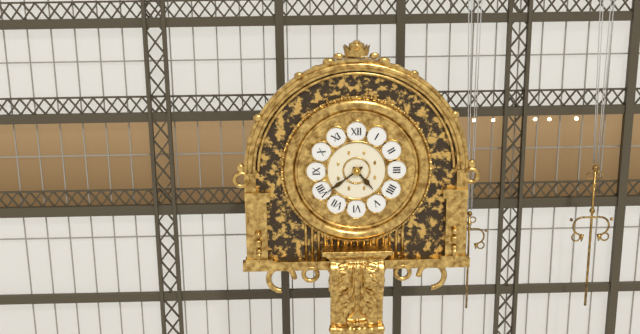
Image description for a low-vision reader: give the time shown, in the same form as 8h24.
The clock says 4h39
